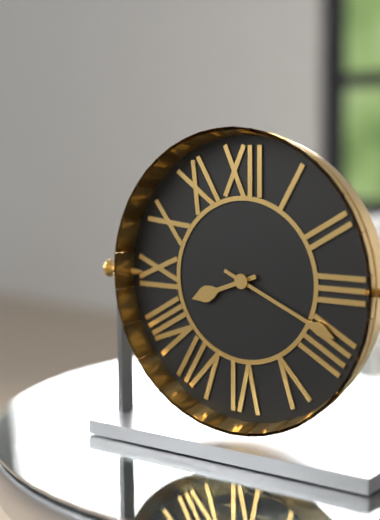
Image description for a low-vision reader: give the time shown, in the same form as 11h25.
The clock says 8h19
